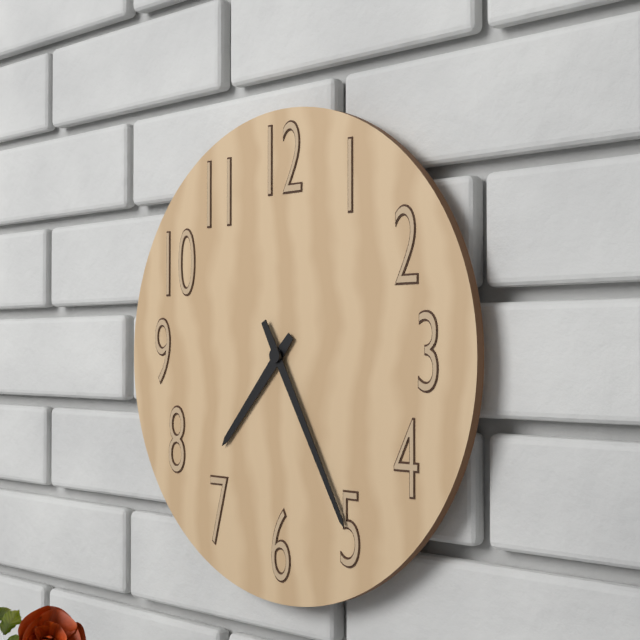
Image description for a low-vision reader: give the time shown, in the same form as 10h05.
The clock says 7h25
